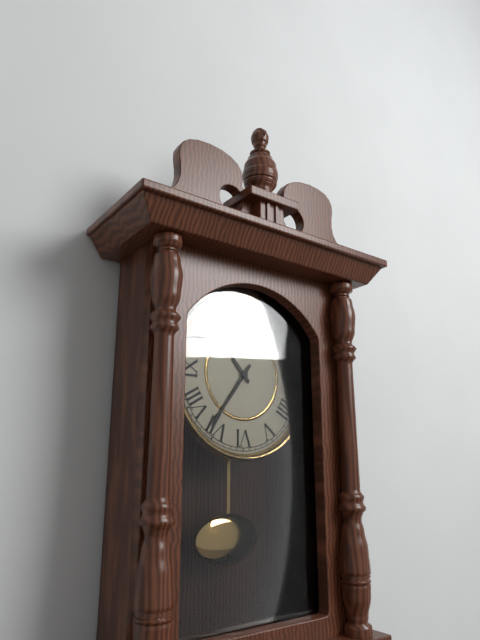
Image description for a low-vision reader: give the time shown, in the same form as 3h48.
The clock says 10h36
